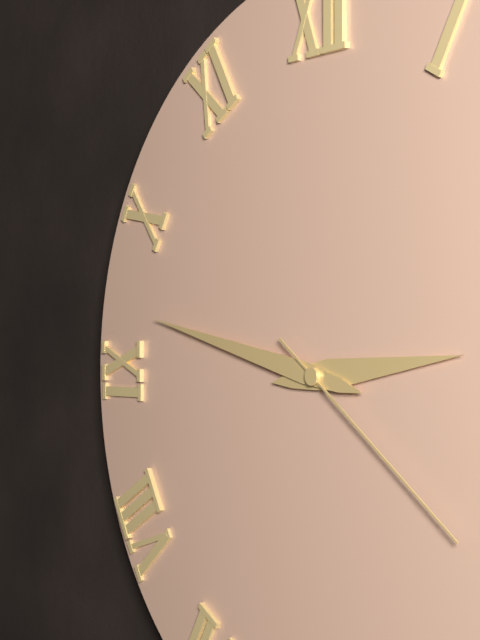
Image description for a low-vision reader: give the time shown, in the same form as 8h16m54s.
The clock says 2h47m21s
